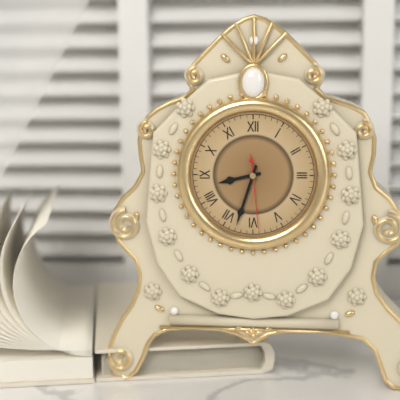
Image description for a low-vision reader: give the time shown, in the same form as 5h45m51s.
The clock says 8h33m29s
